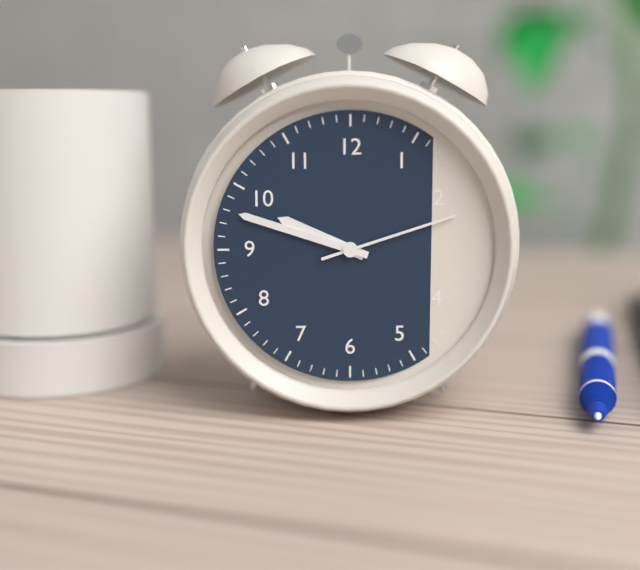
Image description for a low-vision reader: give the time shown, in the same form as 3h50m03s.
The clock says 9h48m12s
